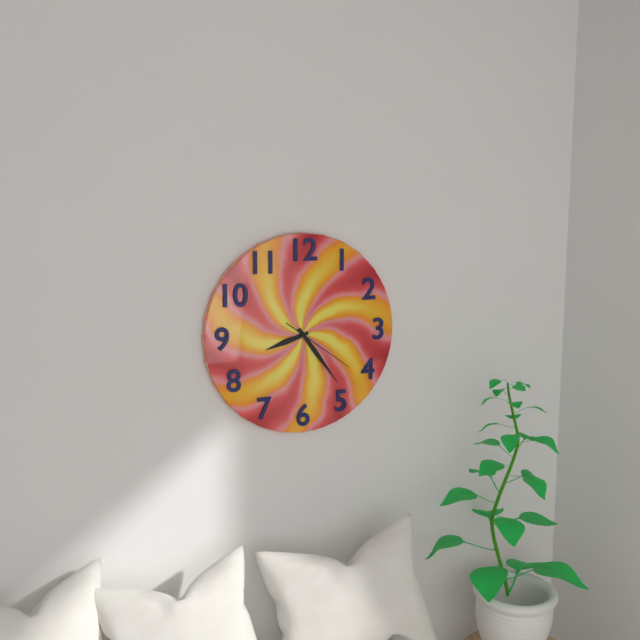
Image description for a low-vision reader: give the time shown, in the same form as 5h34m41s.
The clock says 8h24m21s
